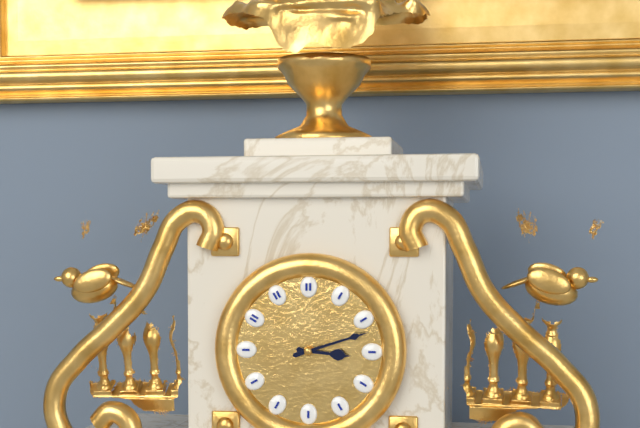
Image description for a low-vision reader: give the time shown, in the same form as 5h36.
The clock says 3h12
